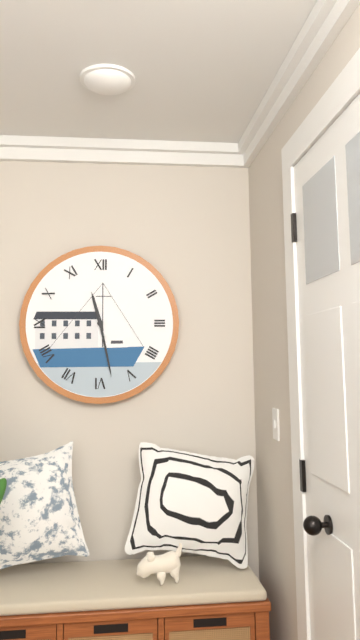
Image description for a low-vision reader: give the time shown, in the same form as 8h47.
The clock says 11h28
